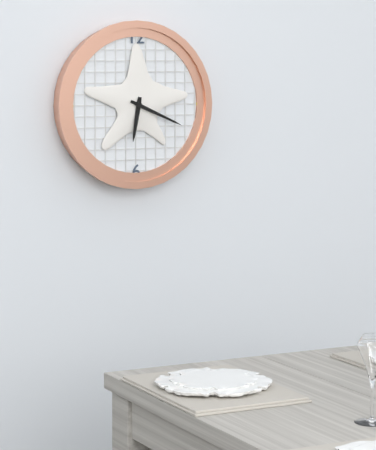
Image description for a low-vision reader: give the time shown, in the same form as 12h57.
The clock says 6h19
